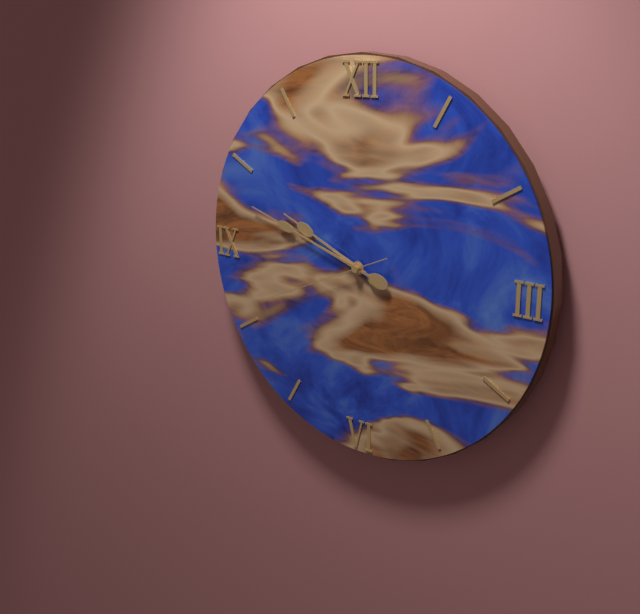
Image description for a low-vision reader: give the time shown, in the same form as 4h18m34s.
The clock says 9h48m41s
